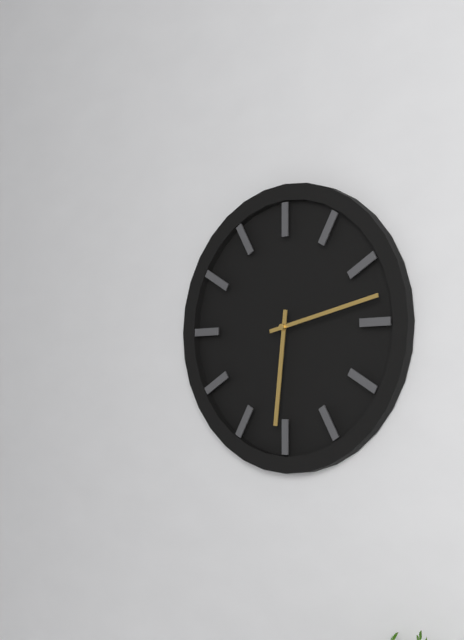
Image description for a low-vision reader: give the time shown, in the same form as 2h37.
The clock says 6h13
